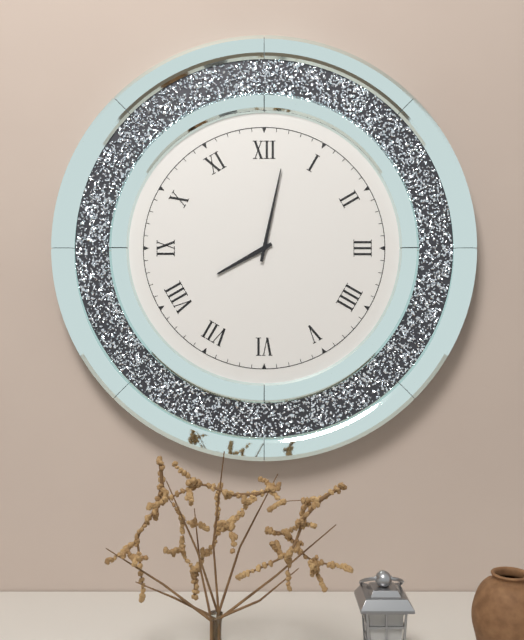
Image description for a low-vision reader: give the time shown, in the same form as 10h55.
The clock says 8h02
